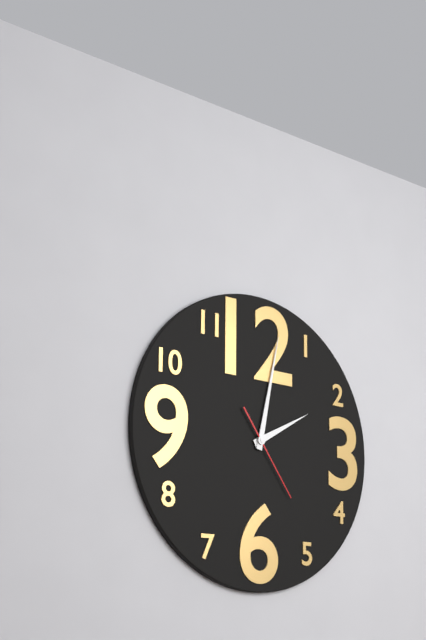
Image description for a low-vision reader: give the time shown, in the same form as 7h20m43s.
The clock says 2h02m24s
